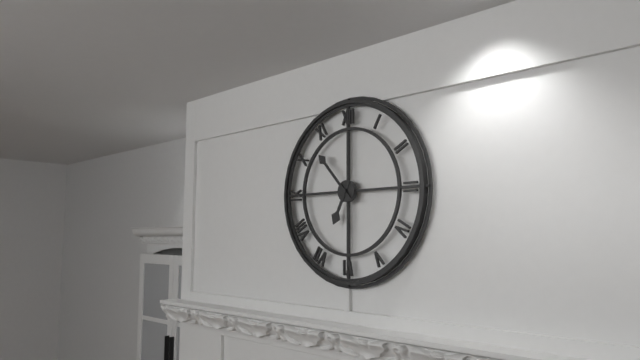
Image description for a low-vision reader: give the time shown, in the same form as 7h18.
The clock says 6h53
